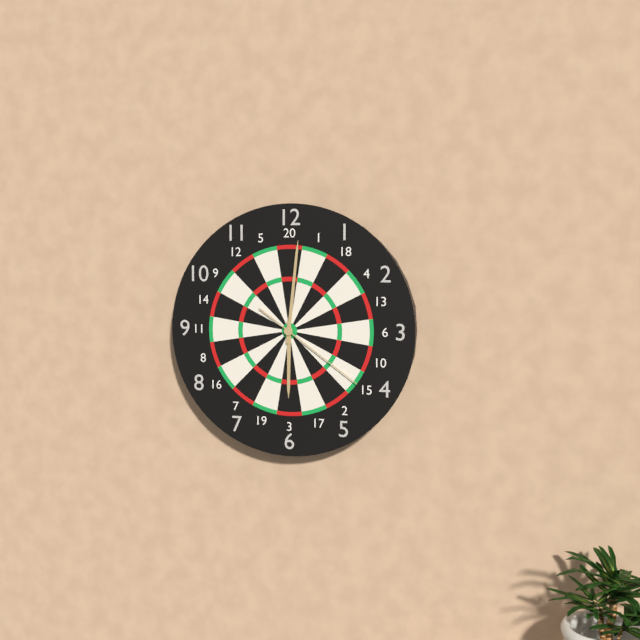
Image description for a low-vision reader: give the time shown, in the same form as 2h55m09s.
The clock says 6h01m21s
